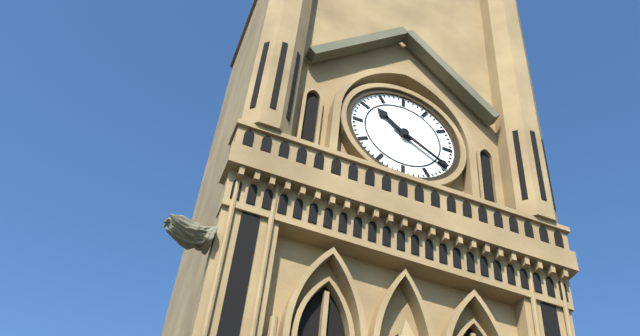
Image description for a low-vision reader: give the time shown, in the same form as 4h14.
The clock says 10h20
